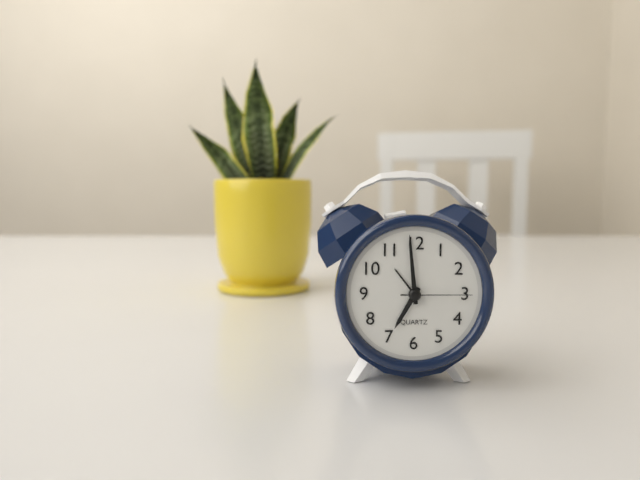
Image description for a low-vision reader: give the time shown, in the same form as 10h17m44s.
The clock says 6h59m15s
